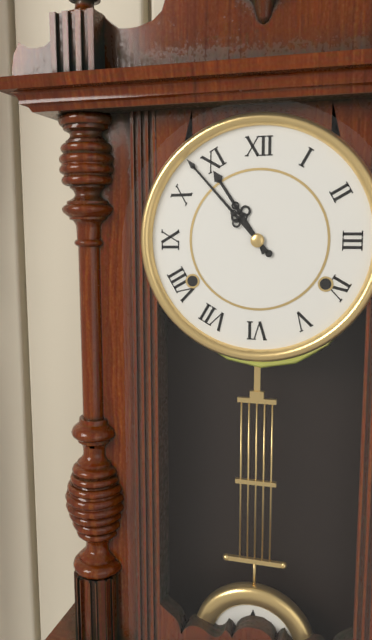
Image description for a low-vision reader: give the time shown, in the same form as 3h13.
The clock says 10h53
